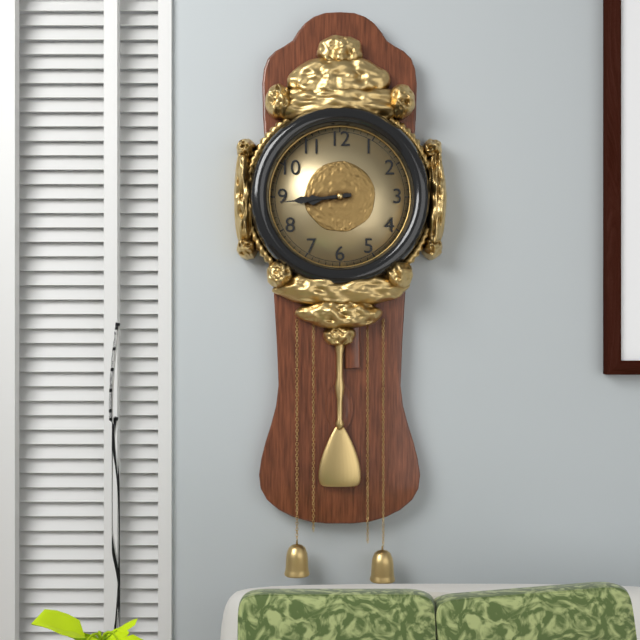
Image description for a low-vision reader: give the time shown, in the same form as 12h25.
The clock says 8h44
